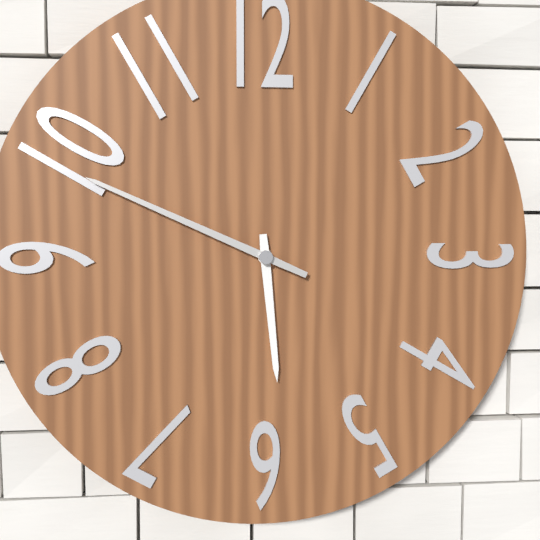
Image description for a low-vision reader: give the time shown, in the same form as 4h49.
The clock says 5h49
